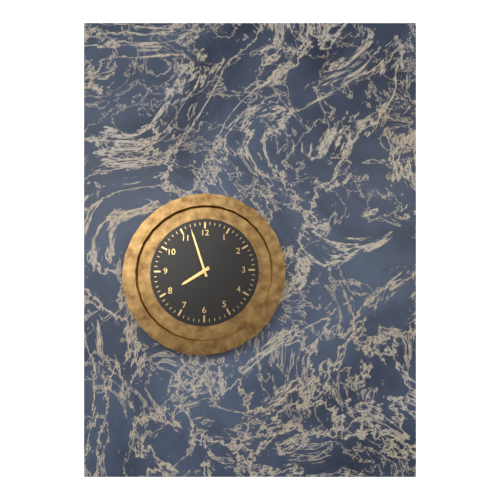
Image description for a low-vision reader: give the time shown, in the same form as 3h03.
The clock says 7h57
